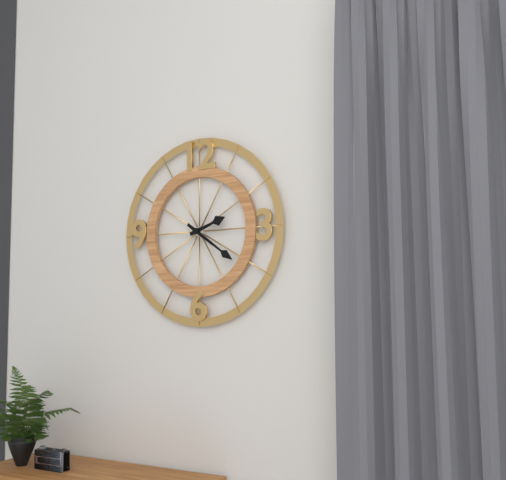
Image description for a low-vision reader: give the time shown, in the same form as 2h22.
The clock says 2h21
